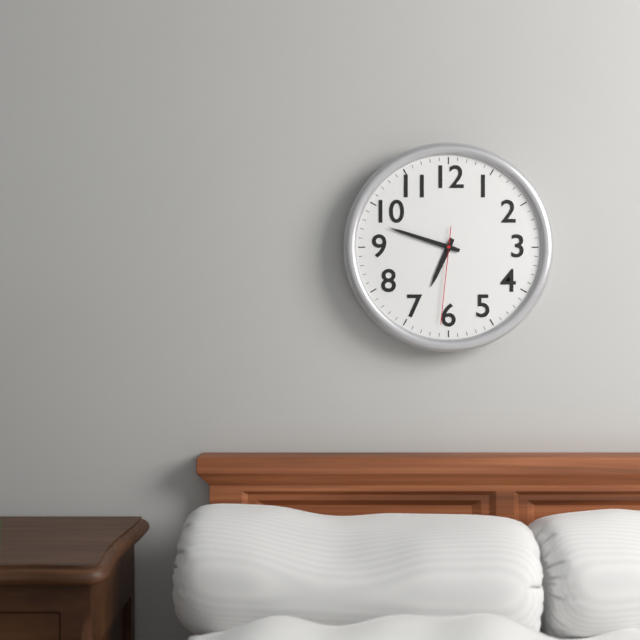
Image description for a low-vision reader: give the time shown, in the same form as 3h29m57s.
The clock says 6h48m31s
